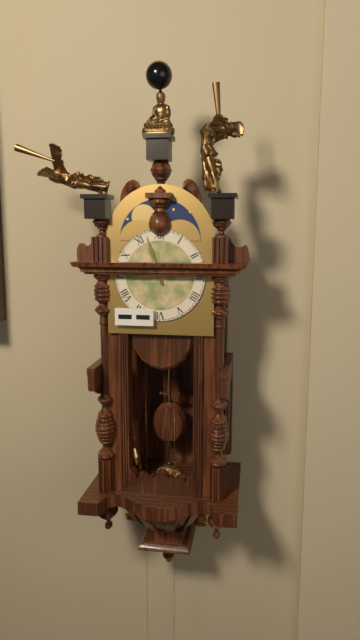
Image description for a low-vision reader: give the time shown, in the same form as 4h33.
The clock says 8h57
